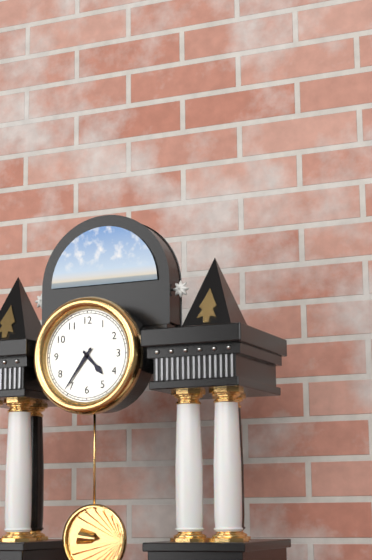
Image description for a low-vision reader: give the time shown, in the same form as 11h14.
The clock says 4h36
